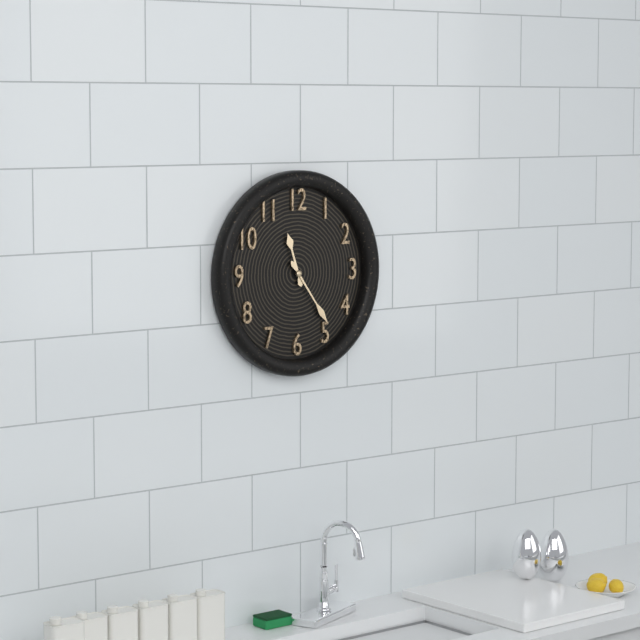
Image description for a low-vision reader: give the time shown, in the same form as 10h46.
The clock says 11h24
